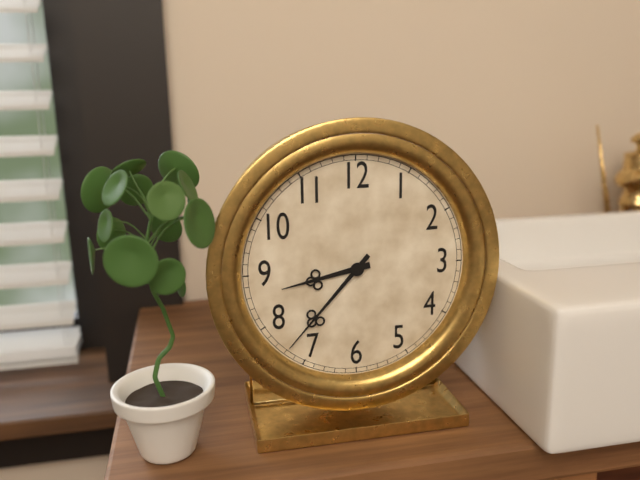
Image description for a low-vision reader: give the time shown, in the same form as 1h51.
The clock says 8h37
